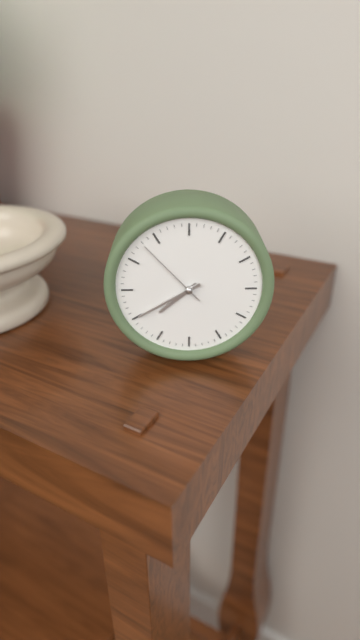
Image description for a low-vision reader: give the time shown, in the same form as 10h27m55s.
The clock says 7h40m53s
